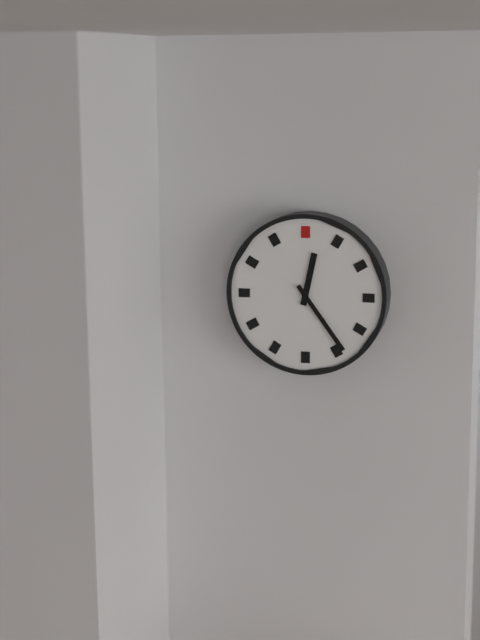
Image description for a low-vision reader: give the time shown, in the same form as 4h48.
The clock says 12h24
